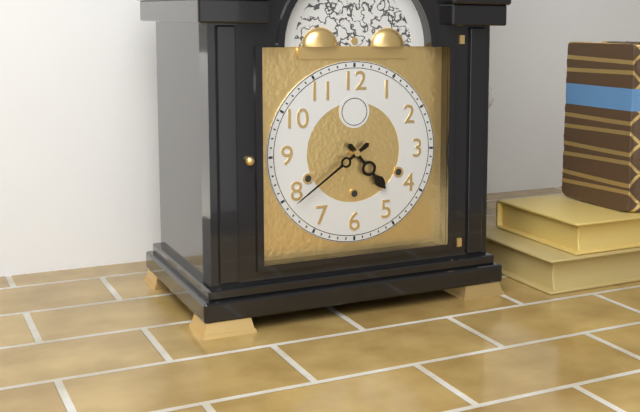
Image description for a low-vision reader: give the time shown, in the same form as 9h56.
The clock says 4h39
